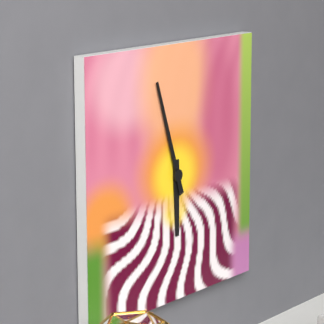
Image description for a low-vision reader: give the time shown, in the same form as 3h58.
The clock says 5h57
